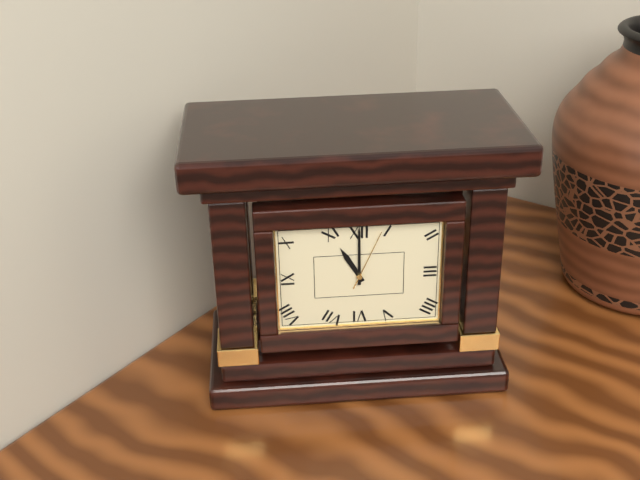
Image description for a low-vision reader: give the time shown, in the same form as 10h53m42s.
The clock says 11h00m04s
